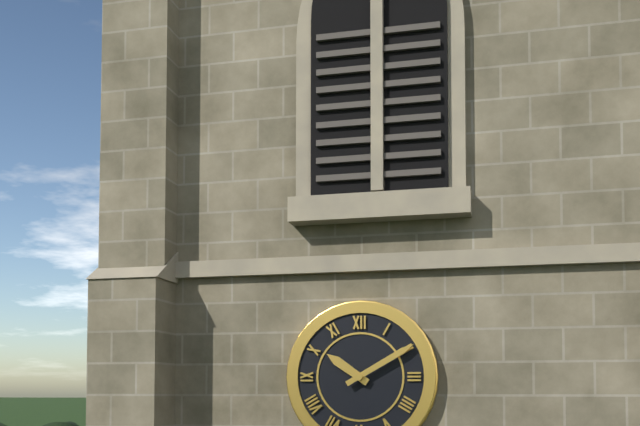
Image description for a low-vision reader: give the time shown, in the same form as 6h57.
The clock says 10h10
